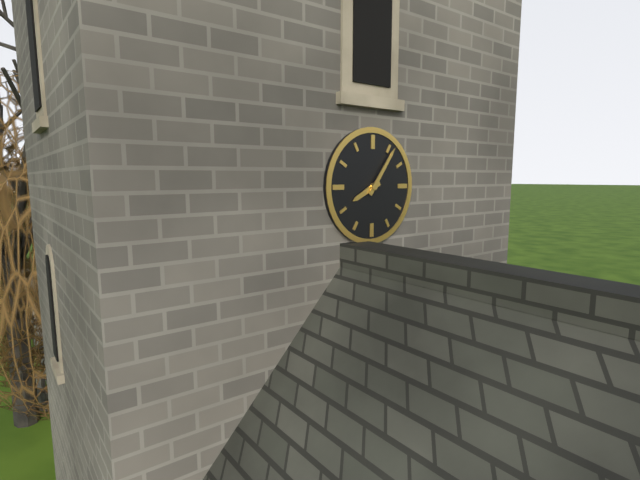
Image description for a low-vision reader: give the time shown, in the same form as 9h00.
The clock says 8h06
